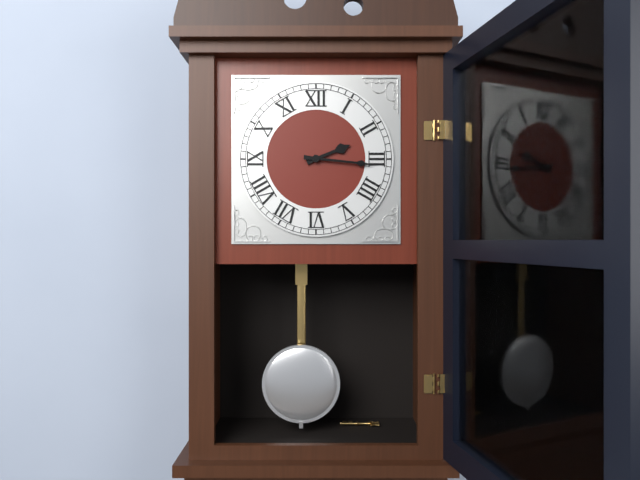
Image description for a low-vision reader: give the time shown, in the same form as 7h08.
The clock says 2h16
